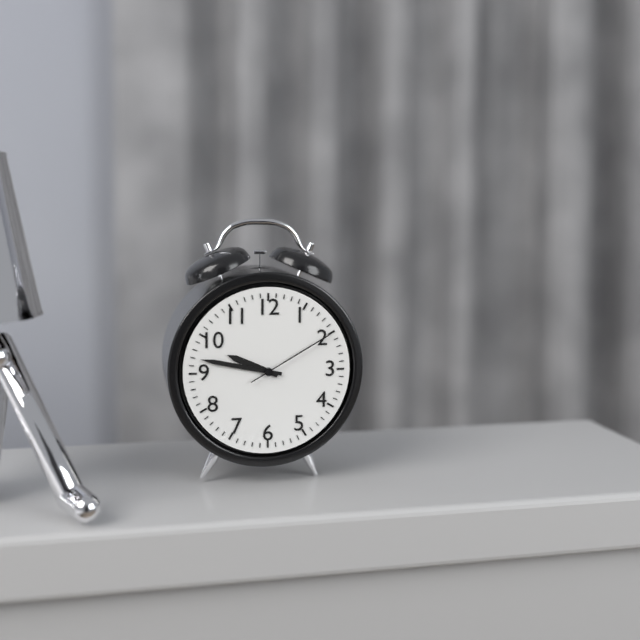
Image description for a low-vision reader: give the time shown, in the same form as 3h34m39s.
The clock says 9h47m10s
